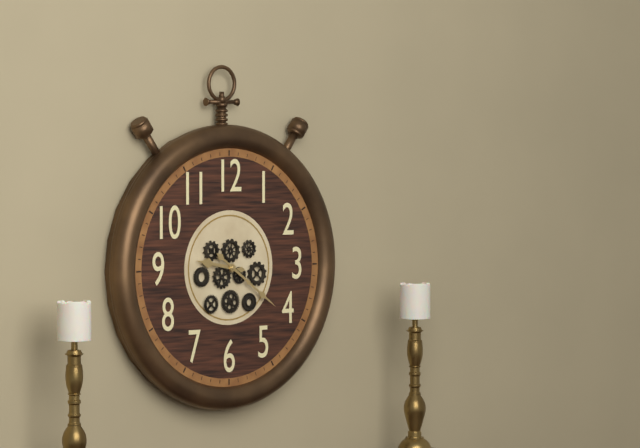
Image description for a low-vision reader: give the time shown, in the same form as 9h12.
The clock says 9h21
